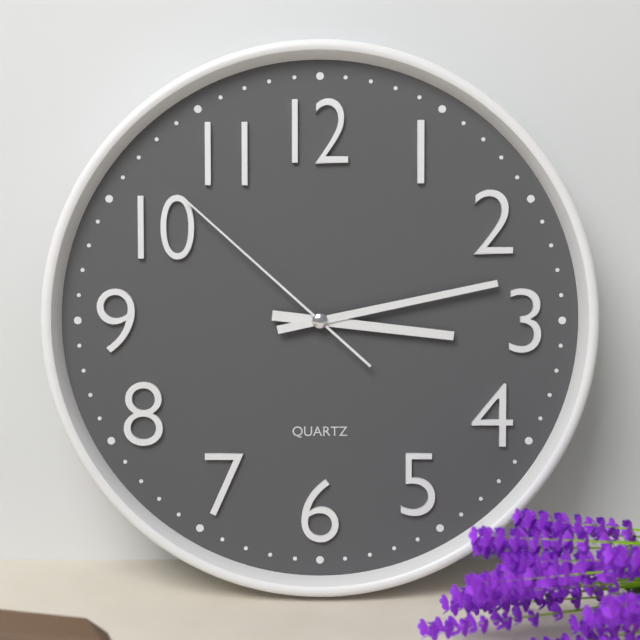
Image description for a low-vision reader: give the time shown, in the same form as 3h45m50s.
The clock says 3h13m52s
